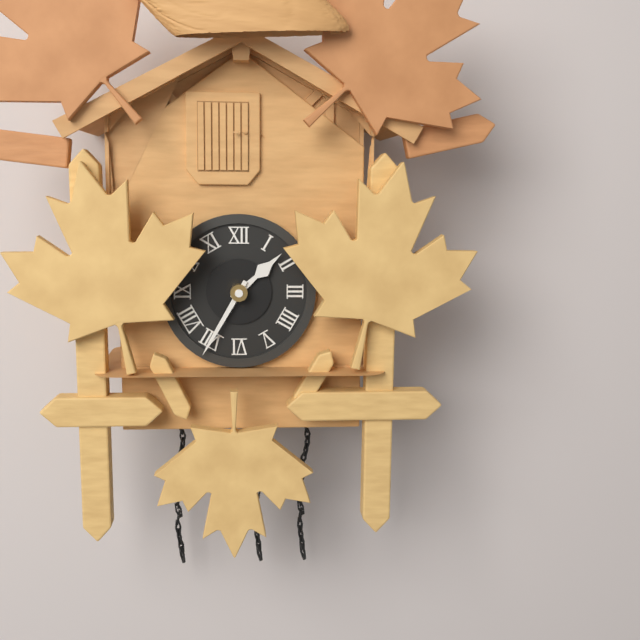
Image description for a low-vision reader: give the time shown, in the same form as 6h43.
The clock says 1h35
